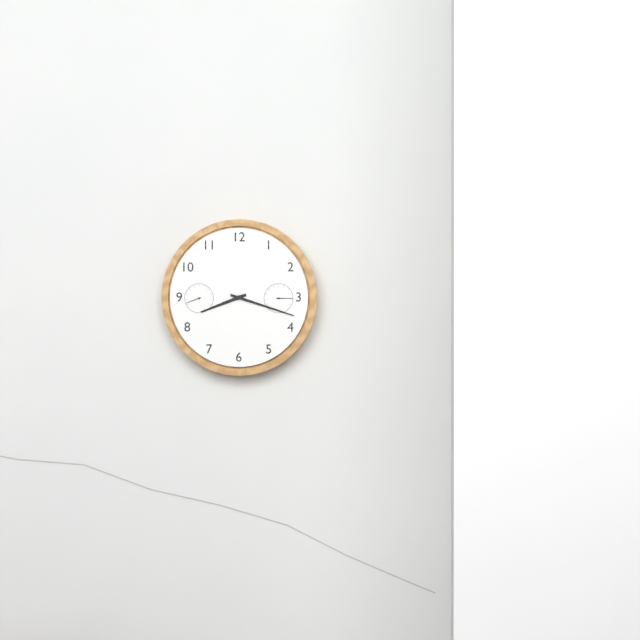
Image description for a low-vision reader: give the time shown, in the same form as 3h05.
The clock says 8h18
